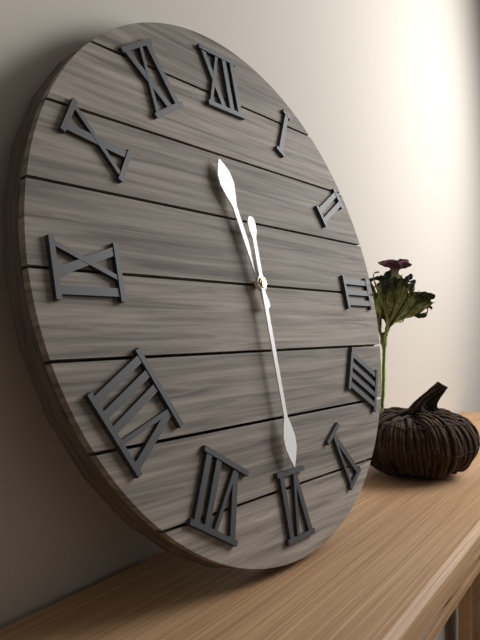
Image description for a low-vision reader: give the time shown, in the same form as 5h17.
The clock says 11h30
